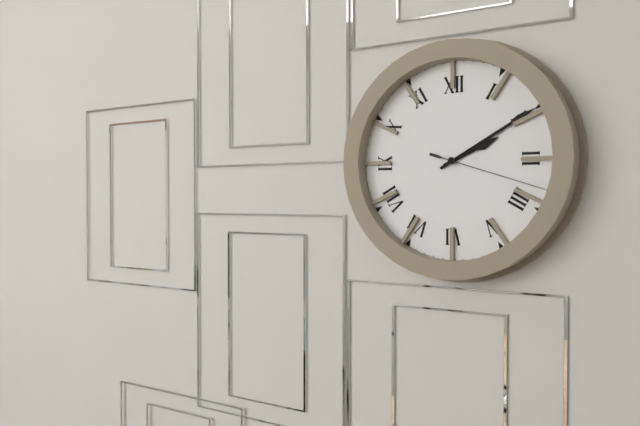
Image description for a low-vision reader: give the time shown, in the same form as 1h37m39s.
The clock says 2h10m18s
